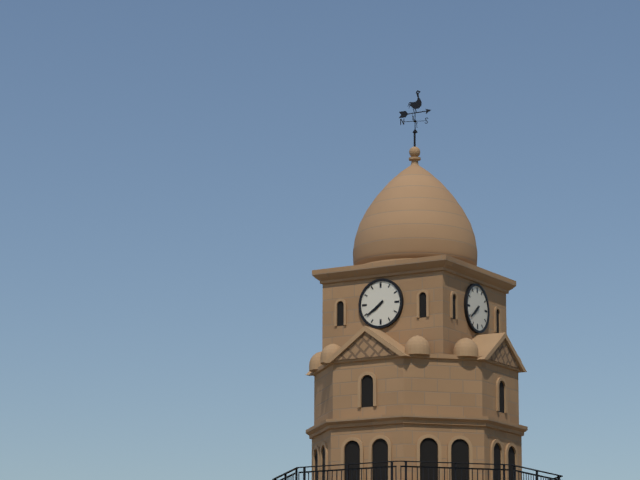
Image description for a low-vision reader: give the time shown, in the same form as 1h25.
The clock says 7h39
